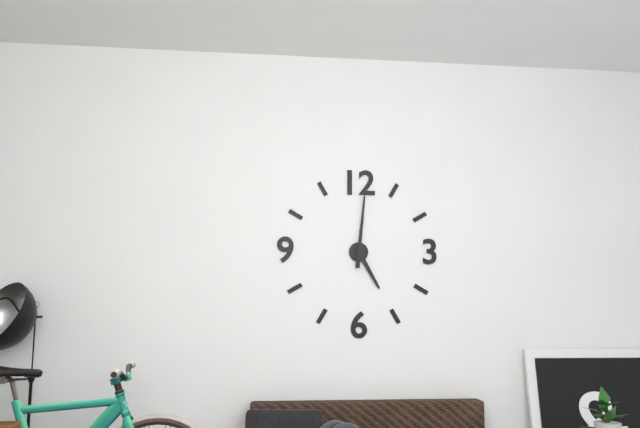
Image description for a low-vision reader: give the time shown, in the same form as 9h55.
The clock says 5h01
